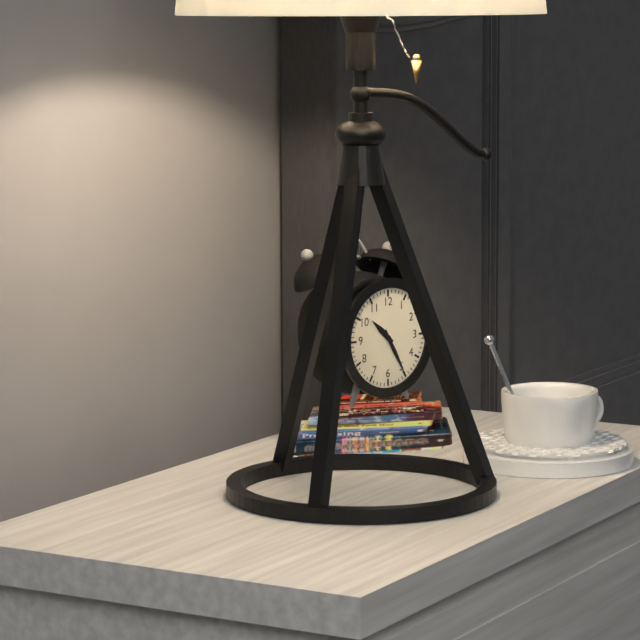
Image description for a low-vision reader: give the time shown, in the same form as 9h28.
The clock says 10h25
